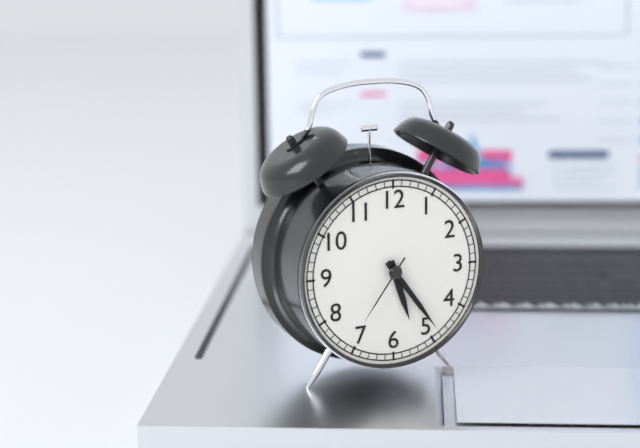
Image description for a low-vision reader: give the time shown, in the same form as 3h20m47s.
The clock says 5h24m36s
